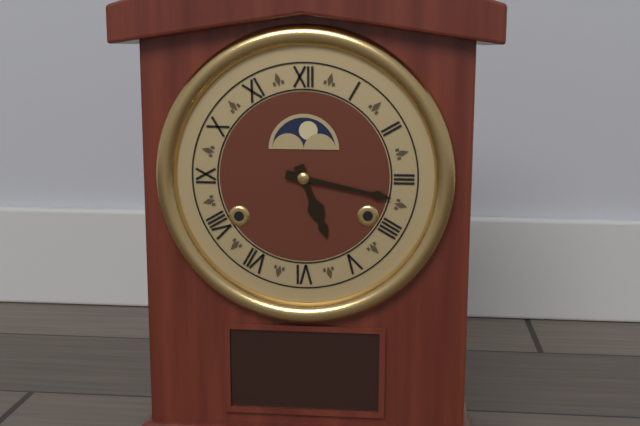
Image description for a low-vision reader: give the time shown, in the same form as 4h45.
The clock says 5h17
